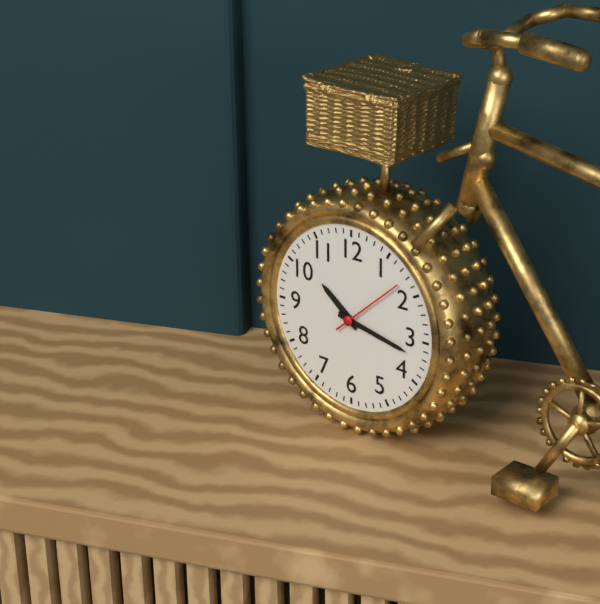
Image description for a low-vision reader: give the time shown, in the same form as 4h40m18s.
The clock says 10h17m08s
